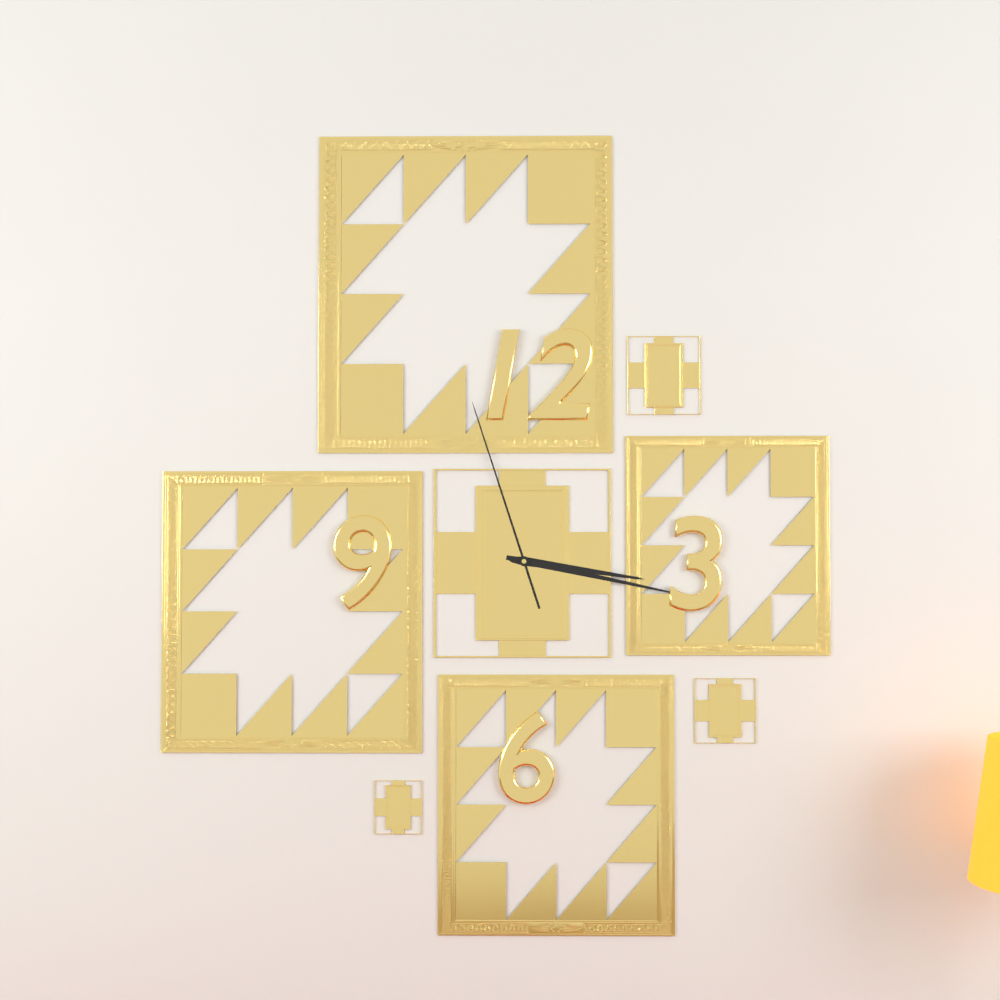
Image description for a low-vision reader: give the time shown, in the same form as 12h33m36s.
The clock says 3h17m57s
